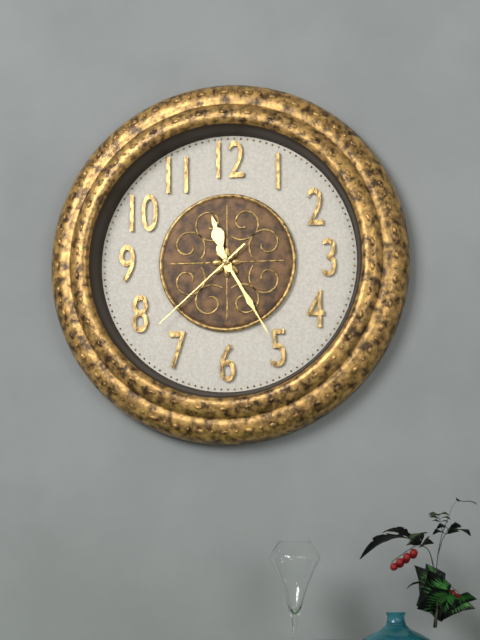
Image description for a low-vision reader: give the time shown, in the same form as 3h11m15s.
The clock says 11h25m38s
